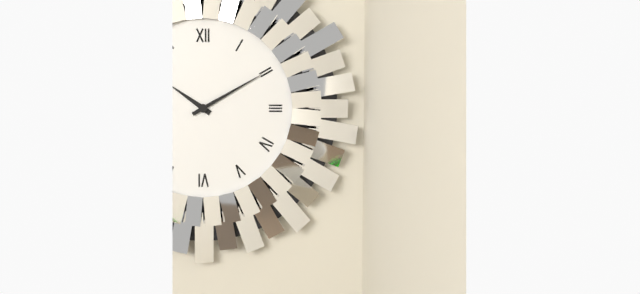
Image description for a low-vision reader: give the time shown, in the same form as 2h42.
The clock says 10h10
